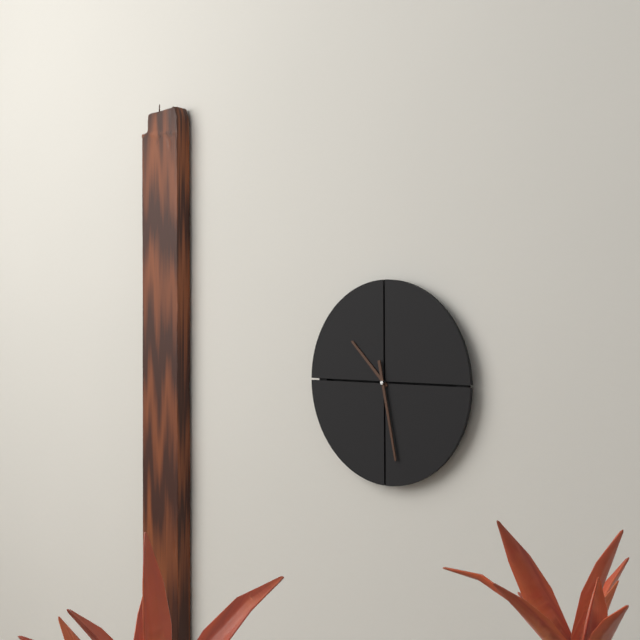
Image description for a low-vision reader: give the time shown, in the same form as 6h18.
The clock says 10h28
